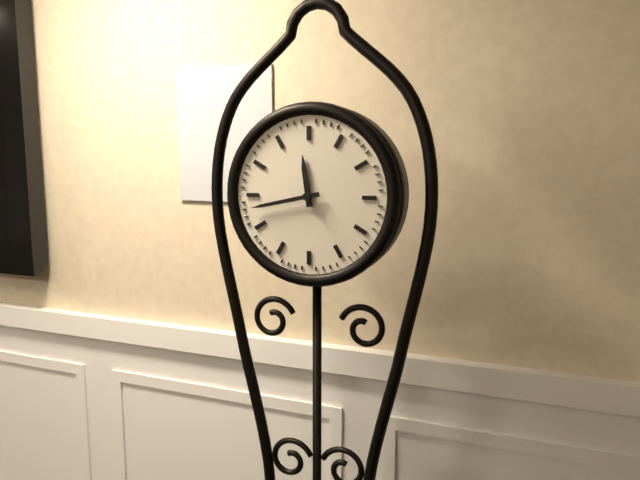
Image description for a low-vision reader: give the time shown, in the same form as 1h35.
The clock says 11h43
